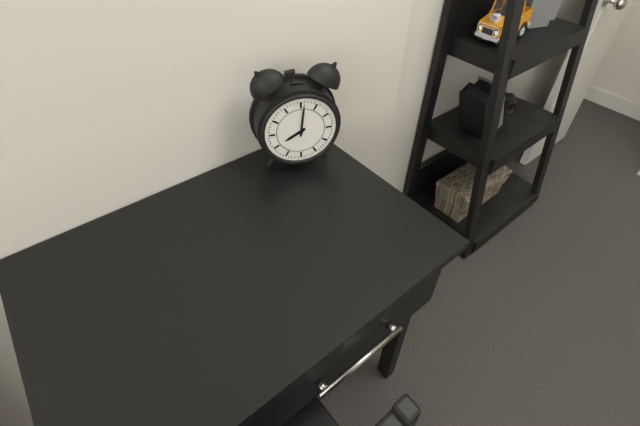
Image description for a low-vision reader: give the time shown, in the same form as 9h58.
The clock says 8h01
